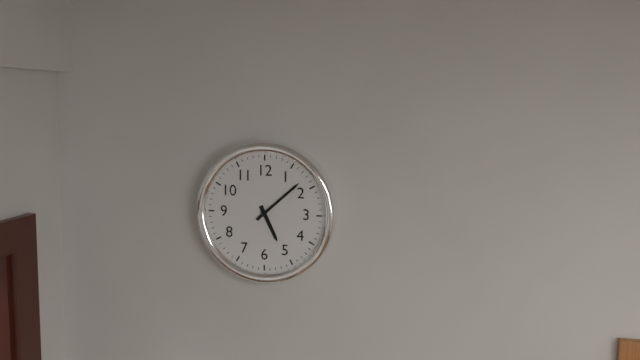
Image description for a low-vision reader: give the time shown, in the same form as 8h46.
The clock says 5h08
